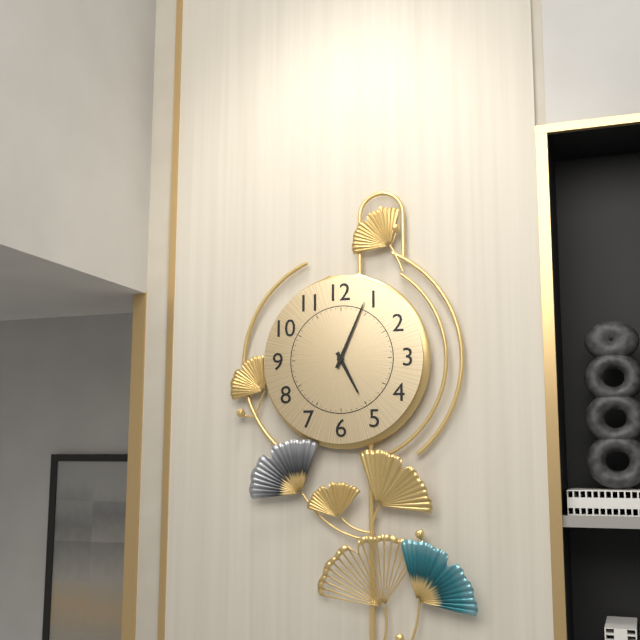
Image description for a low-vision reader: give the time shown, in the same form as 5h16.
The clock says 5h04
